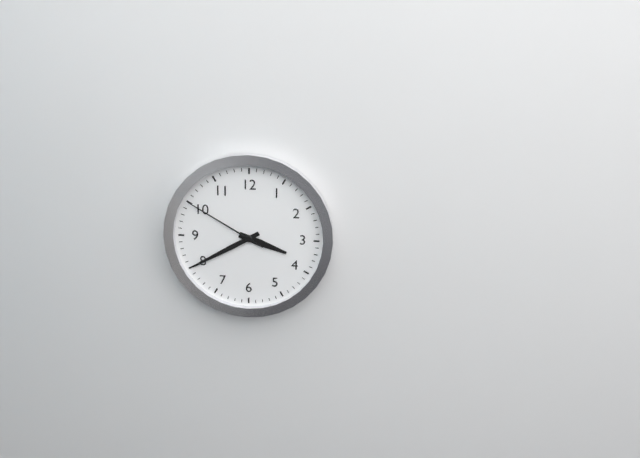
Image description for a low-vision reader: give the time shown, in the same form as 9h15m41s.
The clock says 3h40m50s
